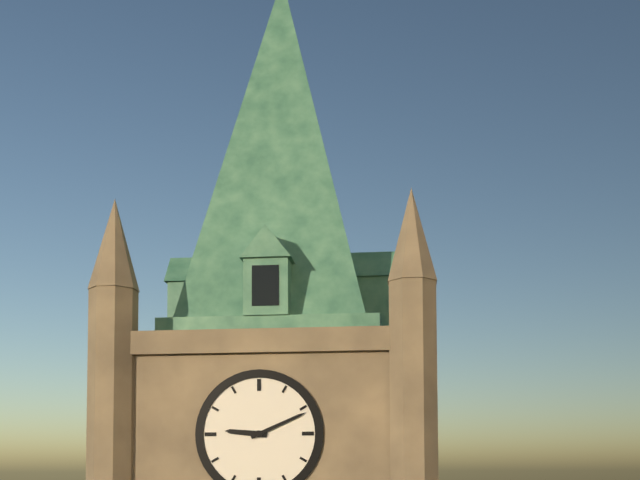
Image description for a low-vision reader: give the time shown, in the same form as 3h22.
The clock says 9h11
